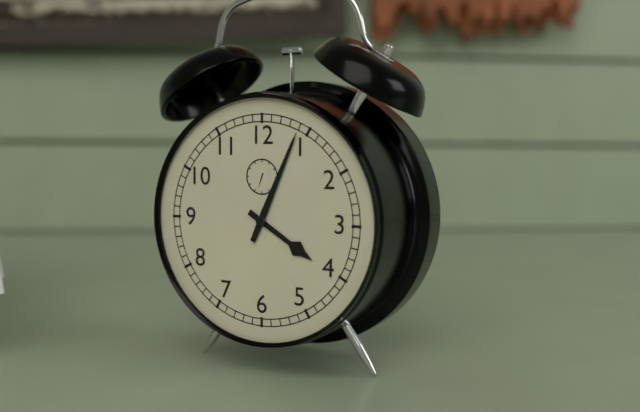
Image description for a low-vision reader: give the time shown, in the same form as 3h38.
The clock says 4h04
